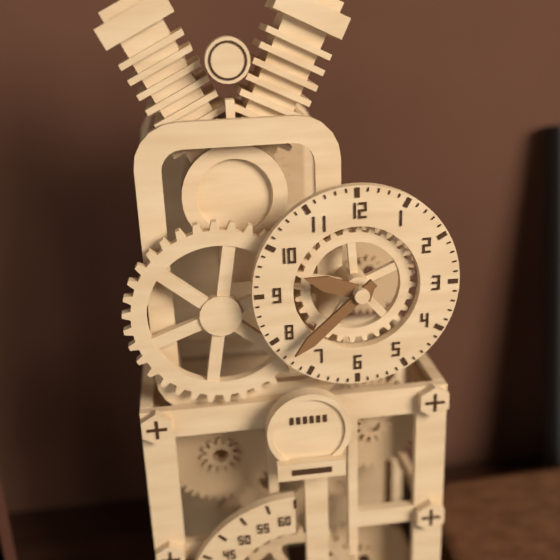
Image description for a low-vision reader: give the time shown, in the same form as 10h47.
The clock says 9h38
